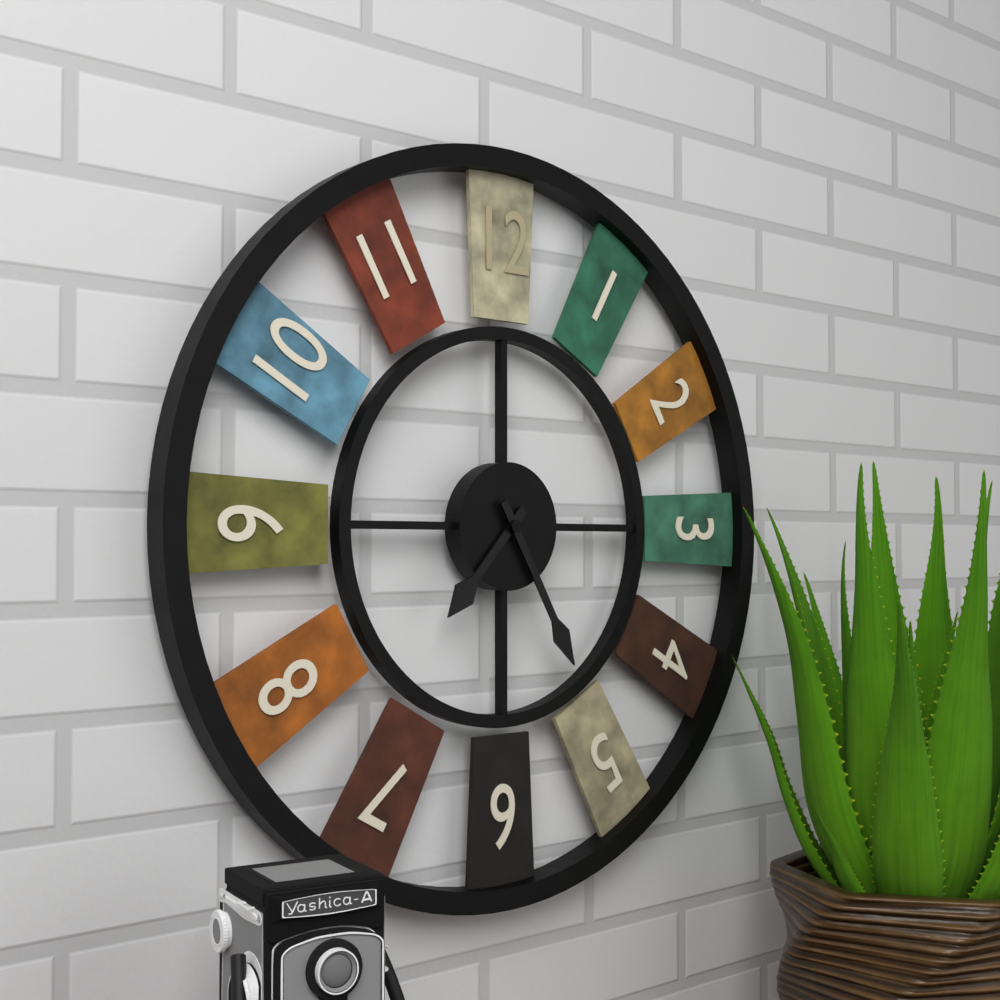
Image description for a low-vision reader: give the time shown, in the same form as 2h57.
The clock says 7h25
